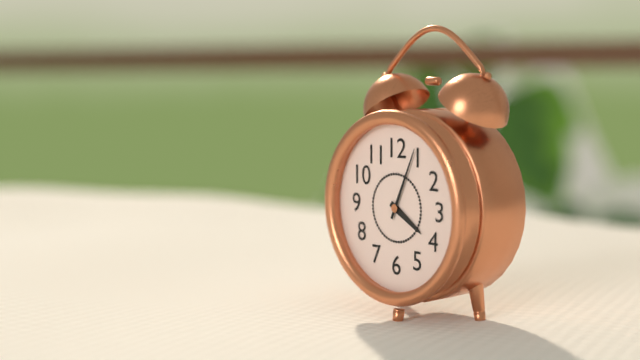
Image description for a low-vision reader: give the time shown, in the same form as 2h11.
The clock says 4h04
